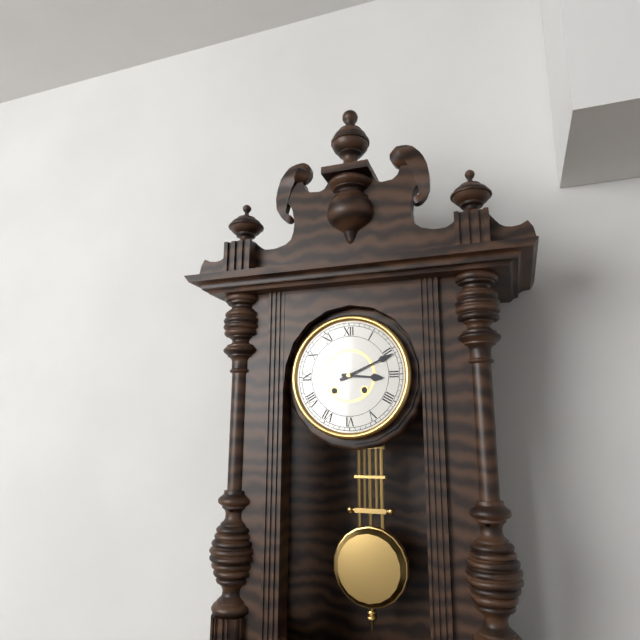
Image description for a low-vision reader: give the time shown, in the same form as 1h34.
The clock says 3h11
